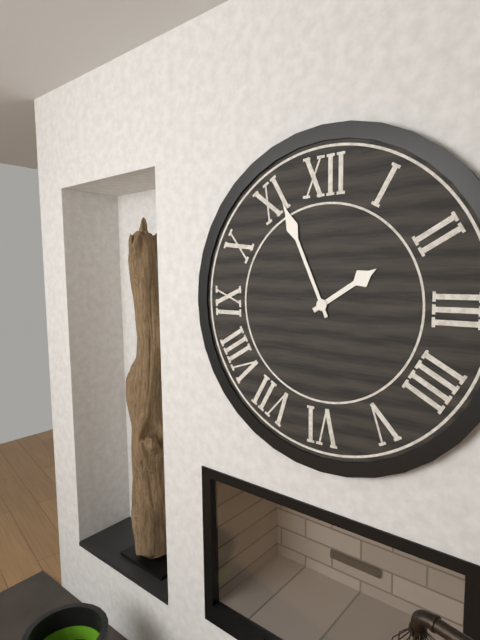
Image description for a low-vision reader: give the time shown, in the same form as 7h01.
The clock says 1h56
